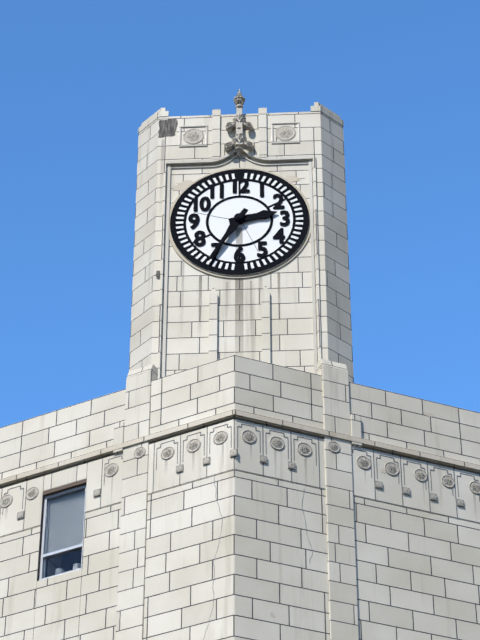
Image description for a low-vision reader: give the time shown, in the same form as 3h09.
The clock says 2h35
